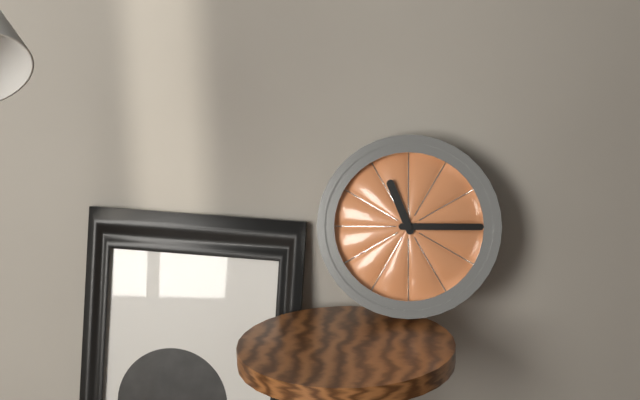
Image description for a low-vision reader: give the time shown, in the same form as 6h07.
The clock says 11h15
